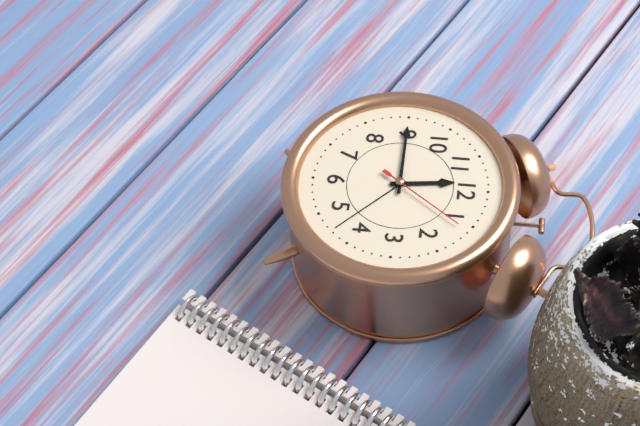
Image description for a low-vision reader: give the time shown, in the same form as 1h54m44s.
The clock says 11h45m06s
